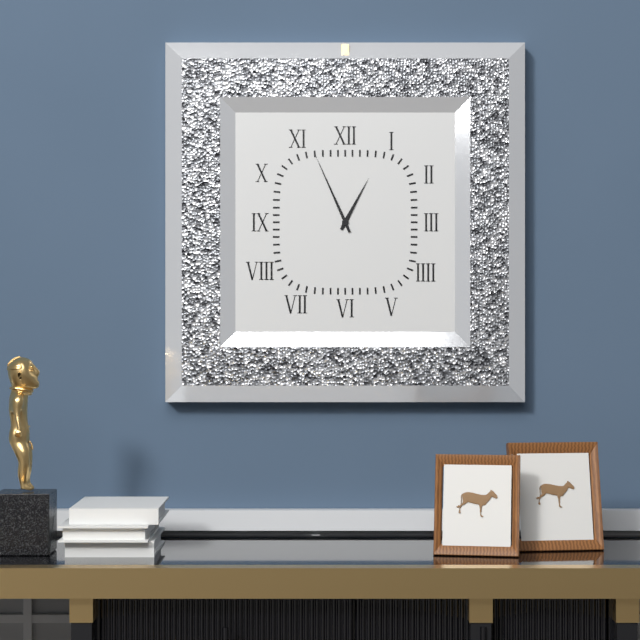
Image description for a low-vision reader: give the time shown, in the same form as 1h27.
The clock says 12h56
